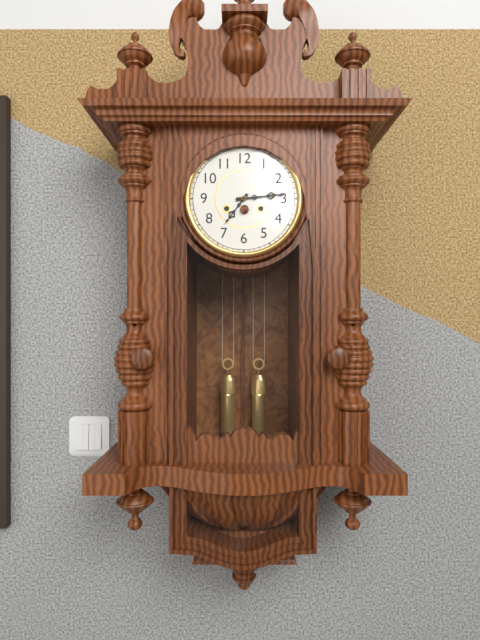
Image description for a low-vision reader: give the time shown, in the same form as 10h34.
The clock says 7h14
